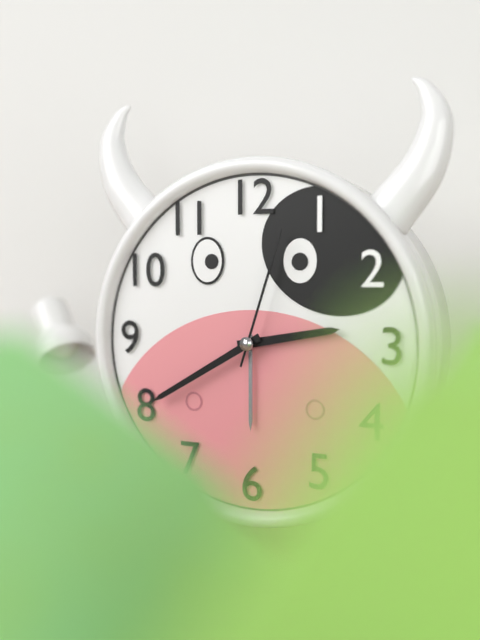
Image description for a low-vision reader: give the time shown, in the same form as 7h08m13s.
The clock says 2h40m03s
